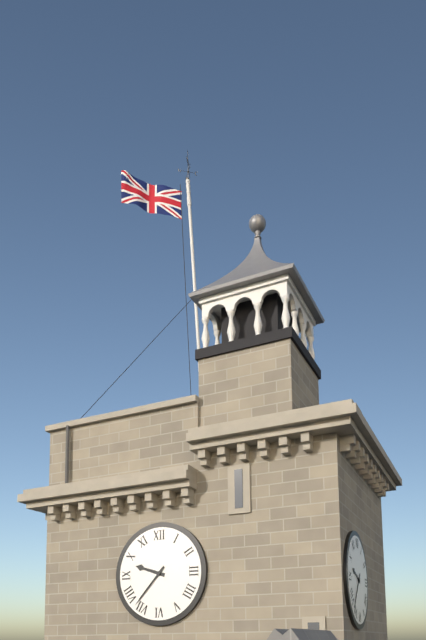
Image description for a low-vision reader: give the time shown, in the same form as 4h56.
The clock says 9h37
